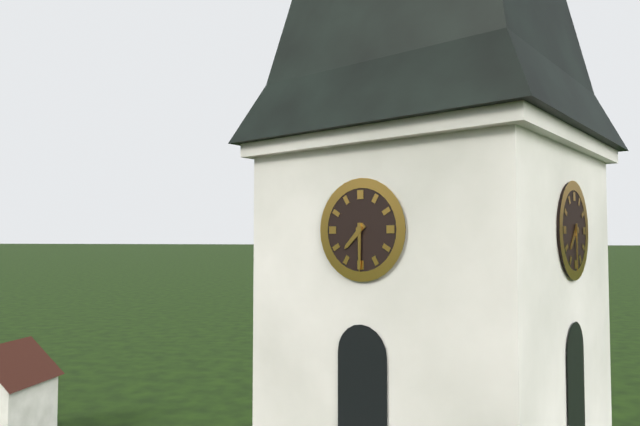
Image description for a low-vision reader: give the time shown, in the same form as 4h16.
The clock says 7h30
